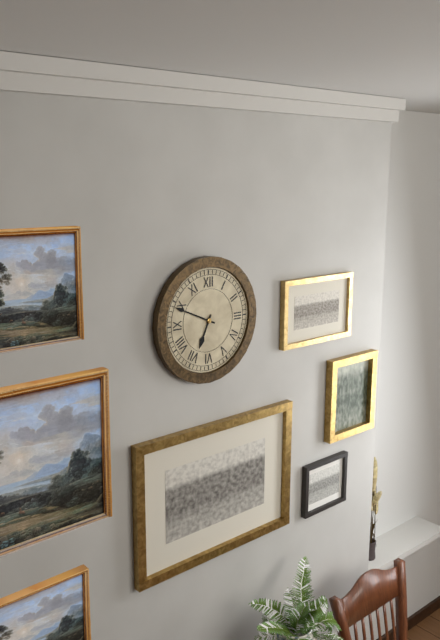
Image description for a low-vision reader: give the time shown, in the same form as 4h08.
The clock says 6h49
